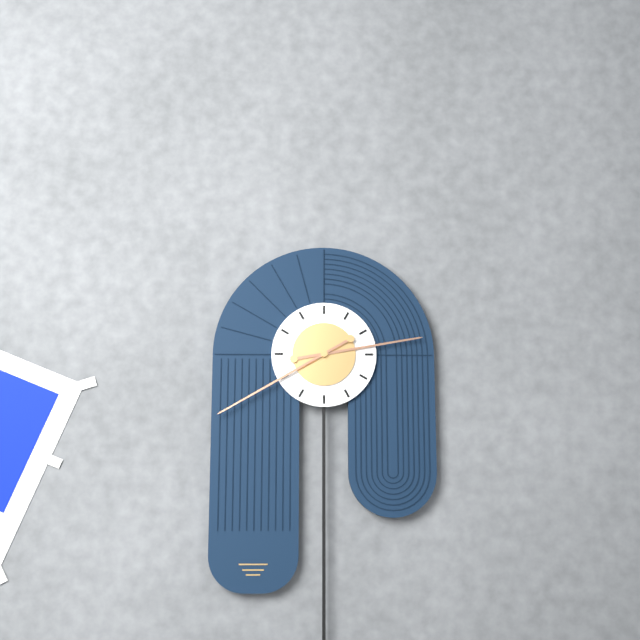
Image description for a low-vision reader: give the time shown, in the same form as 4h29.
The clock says 2h40
